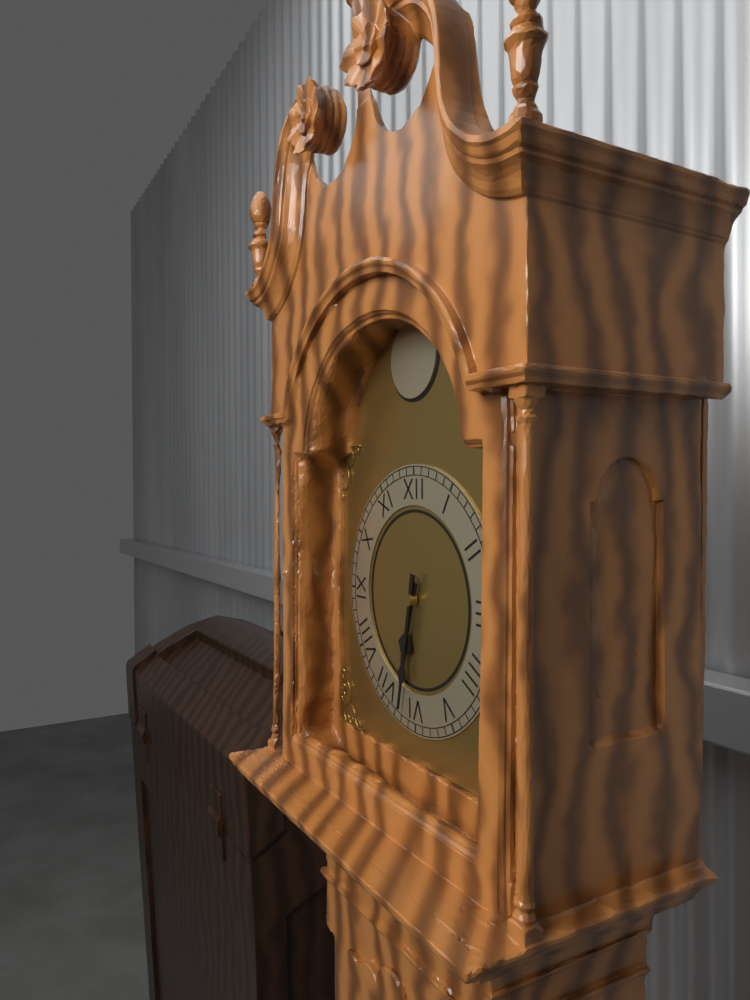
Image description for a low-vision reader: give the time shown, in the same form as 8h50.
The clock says 6h32
